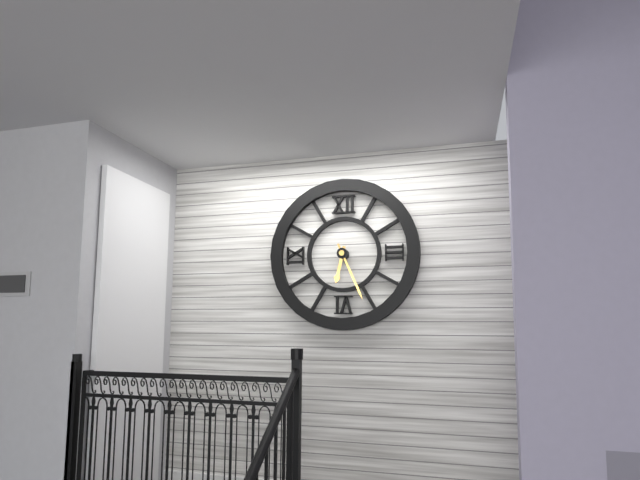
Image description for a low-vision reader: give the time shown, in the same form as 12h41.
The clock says 6h26
